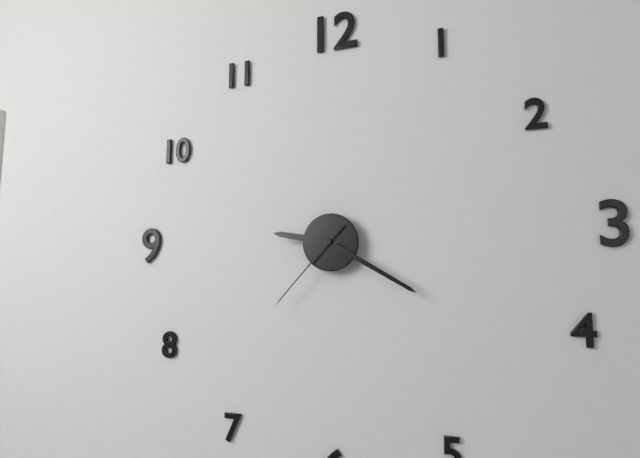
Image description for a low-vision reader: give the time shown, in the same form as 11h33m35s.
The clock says 9h20m37s
